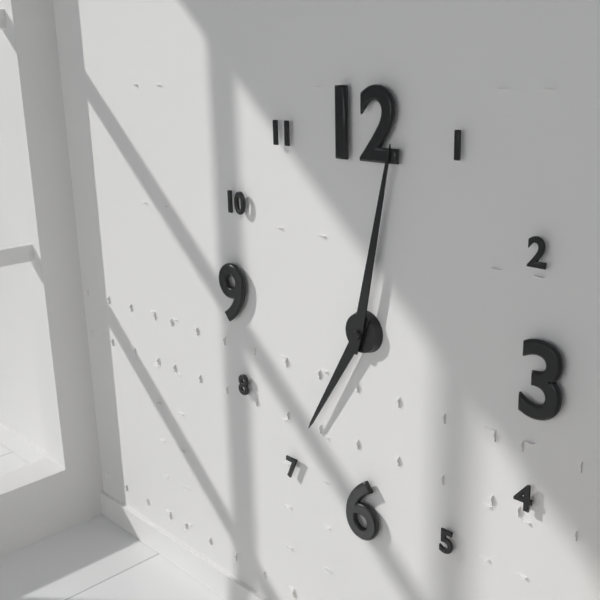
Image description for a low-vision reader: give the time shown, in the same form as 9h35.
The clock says 7h02
